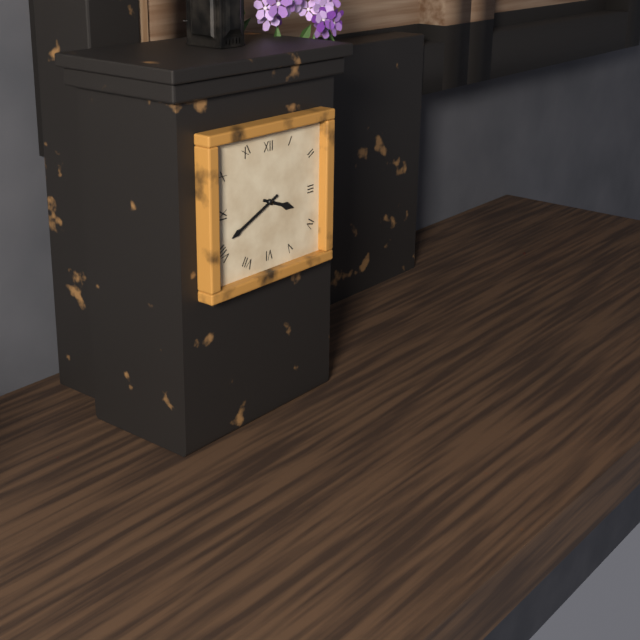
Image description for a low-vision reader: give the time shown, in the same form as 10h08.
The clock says 3h41
